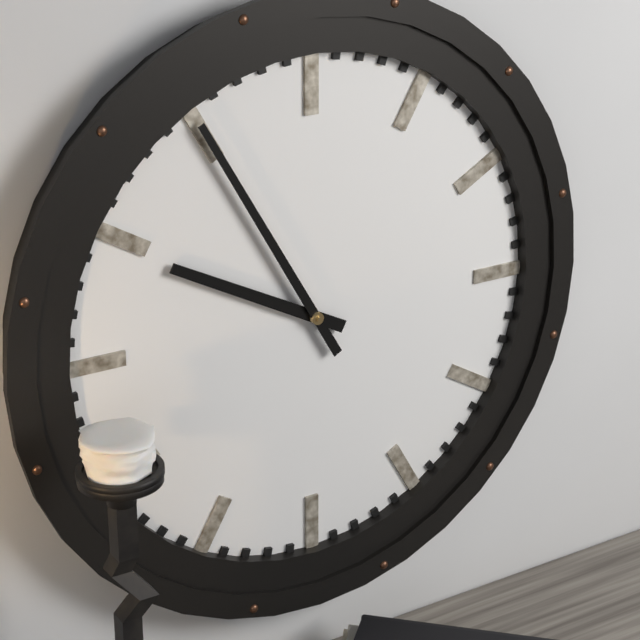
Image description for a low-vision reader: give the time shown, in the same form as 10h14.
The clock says 9h55
